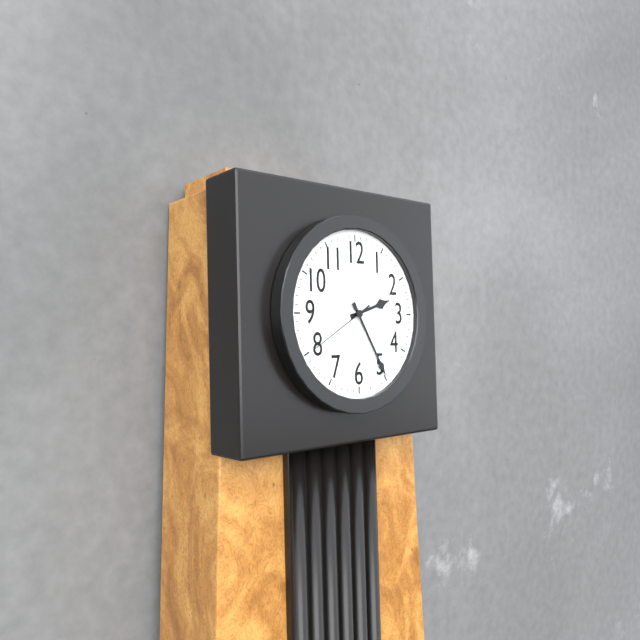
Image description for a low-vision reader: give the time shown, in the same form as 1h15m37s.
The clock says 2h25m40s
